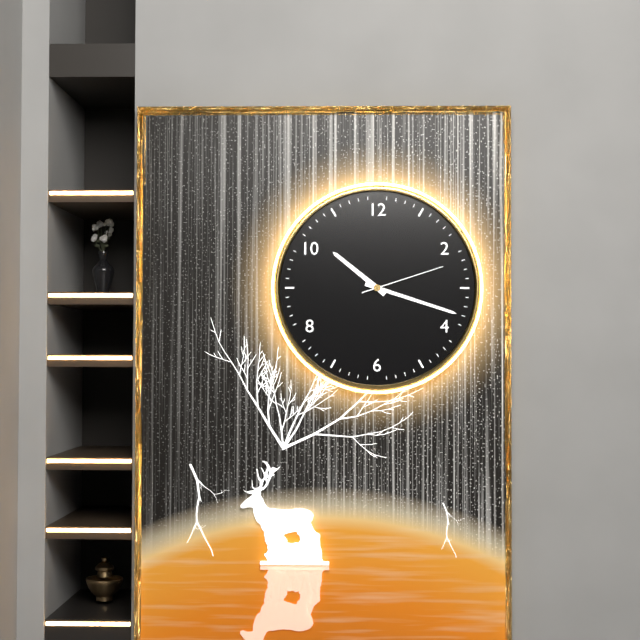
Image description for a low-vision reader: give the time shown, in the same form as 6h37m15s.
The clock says 10h18m12s
